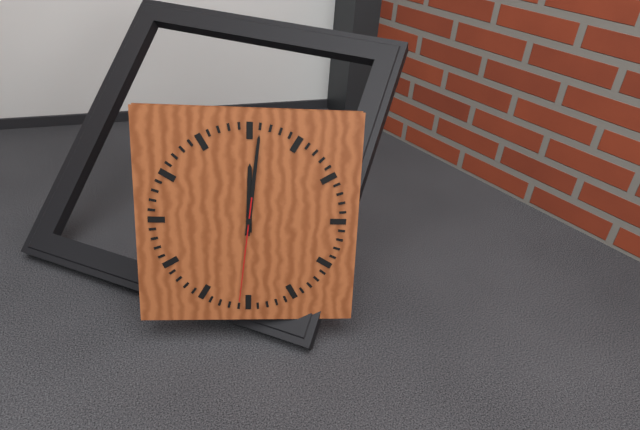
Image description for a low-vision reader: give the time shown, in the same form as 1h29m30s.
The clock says 12h01m31s
